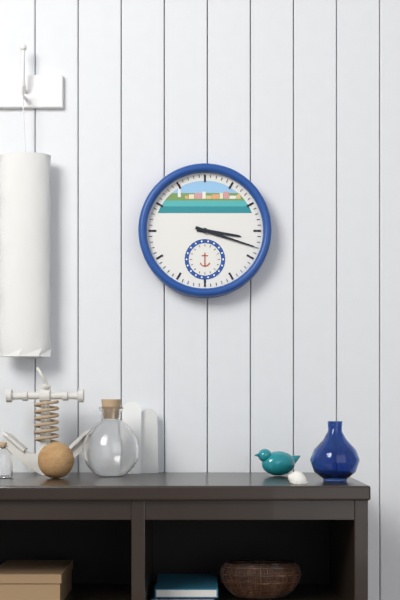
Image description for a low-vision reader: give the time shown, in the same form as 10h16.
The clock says 3h18
